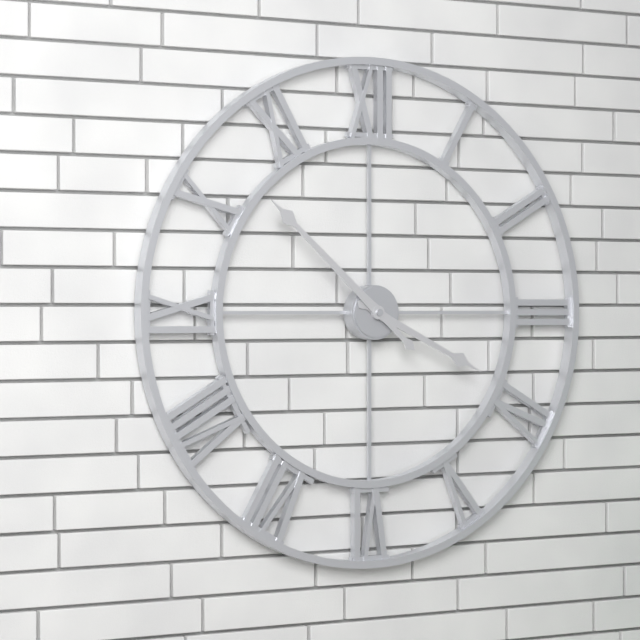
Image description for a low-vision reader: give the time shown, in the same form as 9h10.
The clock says 3h52
